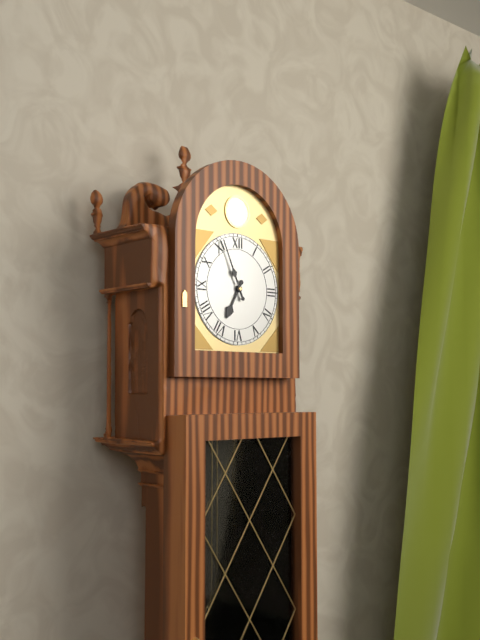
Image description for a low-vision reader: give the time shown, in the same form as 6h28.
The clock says 6h56
